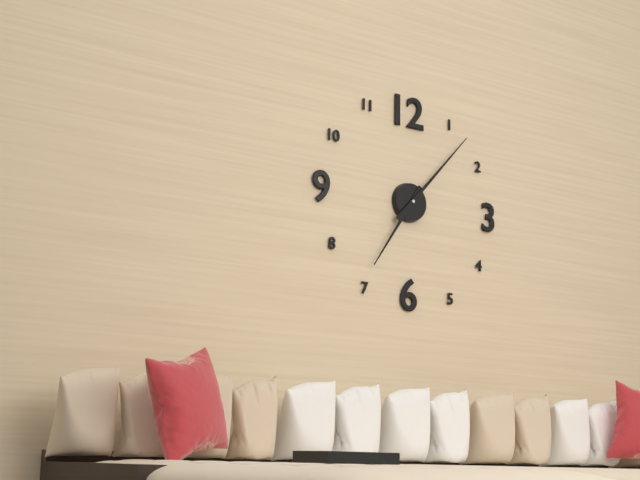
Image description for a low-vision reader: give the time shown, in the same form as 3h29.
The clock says 7h07
